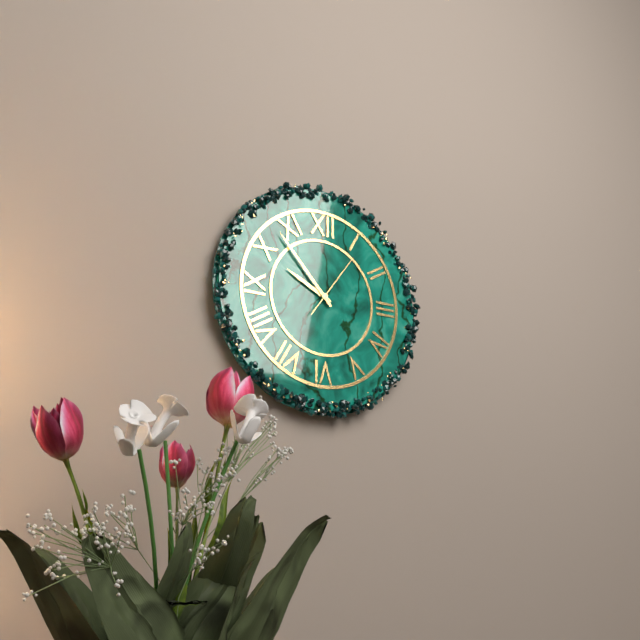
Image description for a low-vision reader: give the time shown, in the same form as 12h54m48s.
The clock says 9h53m06s
